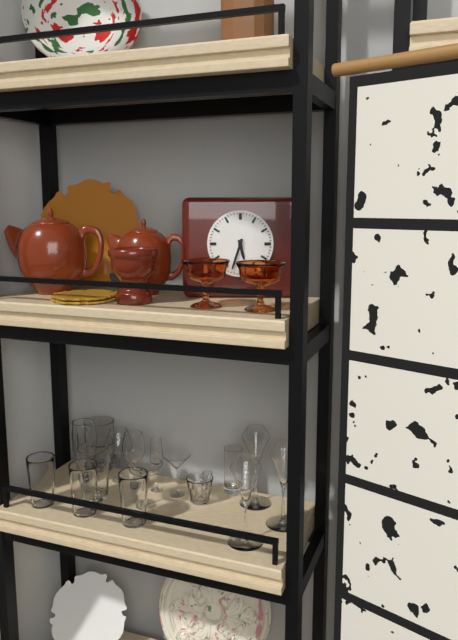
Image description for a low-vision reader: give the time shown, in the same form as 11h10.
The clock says 5h33
